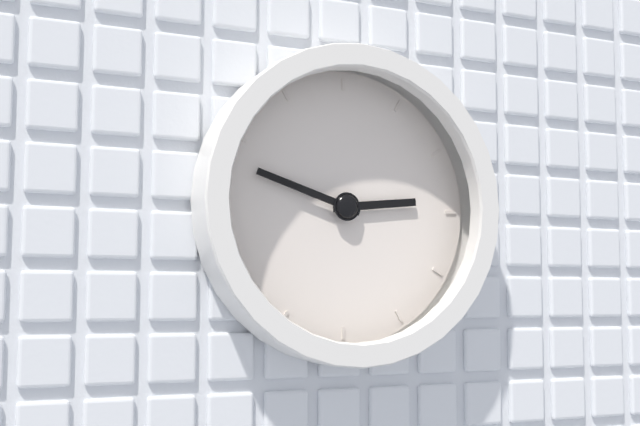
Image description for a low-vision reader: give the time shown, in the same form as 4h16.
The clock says 2h48
